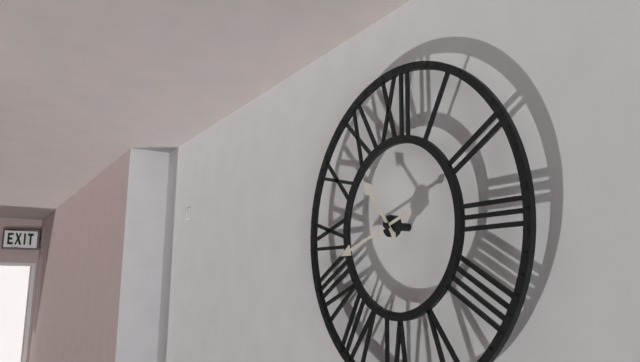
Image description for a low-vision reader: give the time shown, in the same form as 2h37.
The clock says 10h42
